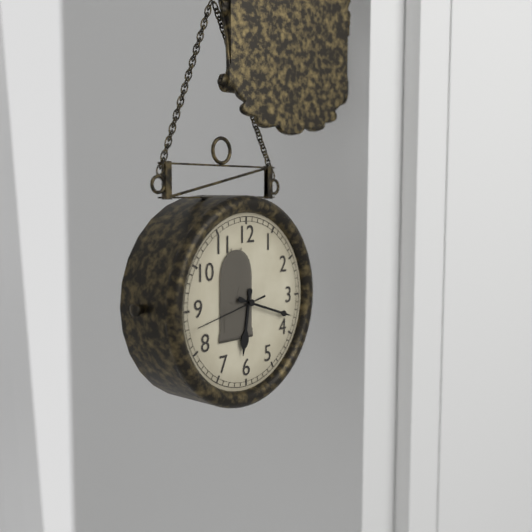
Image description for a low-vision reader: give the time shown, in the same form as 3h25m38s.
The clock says 6h18m43s
